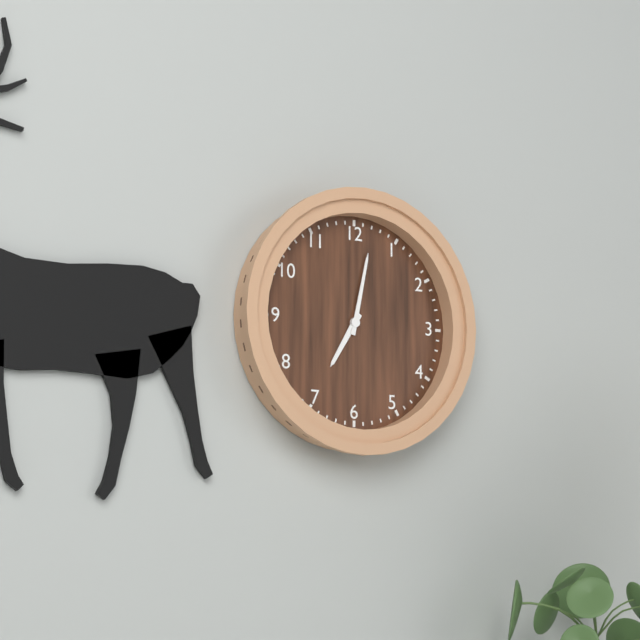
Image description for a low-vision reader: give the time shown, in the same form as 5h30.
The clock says 7h02
